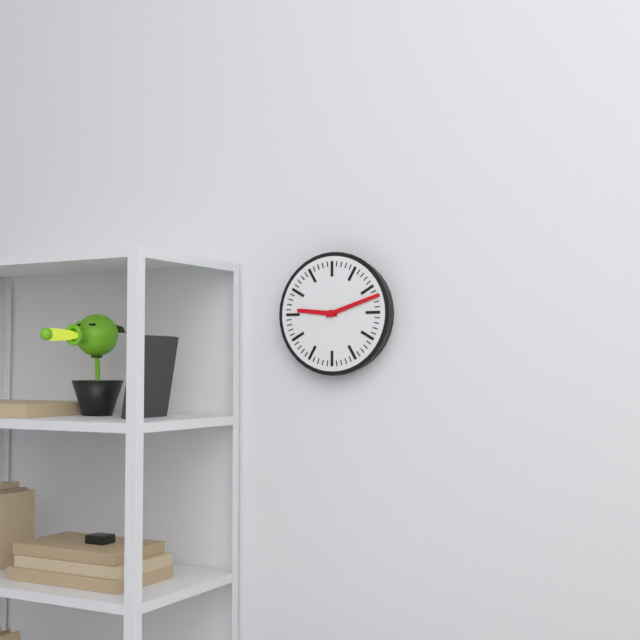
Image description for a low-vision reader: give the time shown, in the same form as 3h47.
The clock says 9h12
